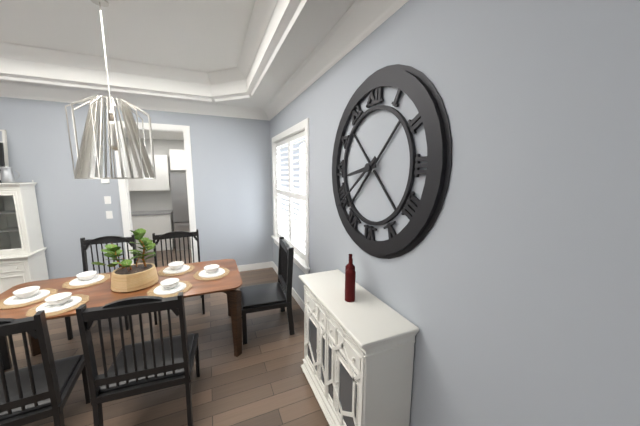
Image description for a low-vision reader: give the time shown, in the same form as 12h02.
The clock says 8h39
